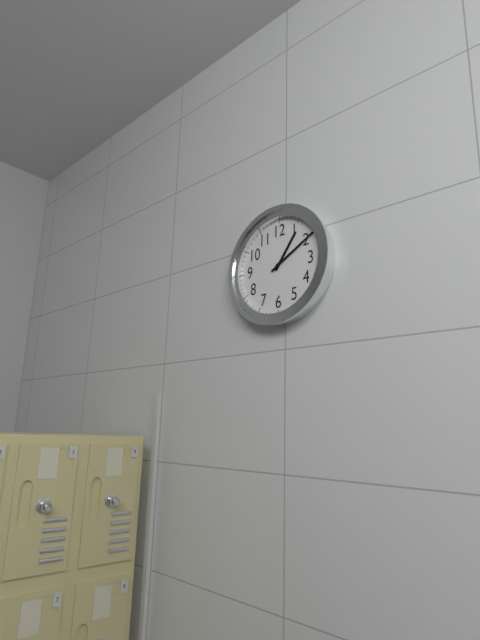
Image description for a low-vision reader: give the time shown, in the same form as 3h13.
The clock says 1h10
